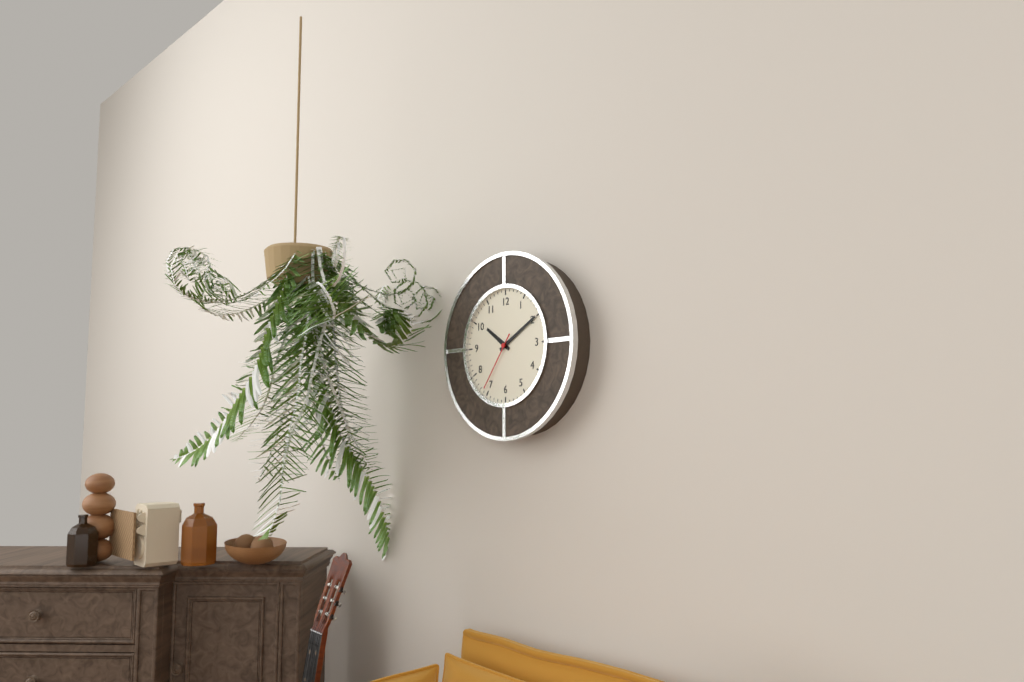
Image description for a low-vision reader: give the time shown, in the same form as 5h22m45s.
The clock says 10h10m36s
